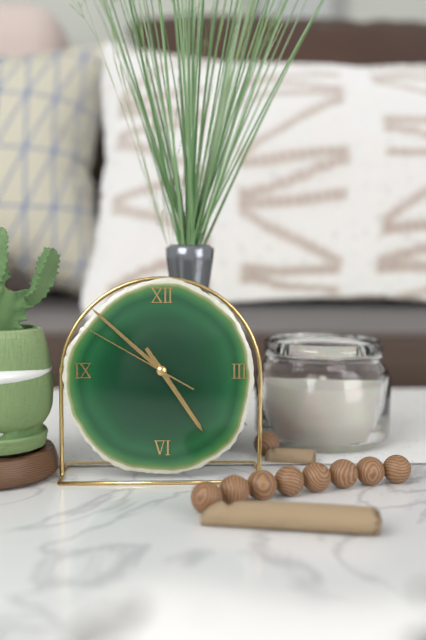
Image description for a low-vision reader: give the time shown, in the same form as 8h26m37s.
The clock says 4h52m50s
